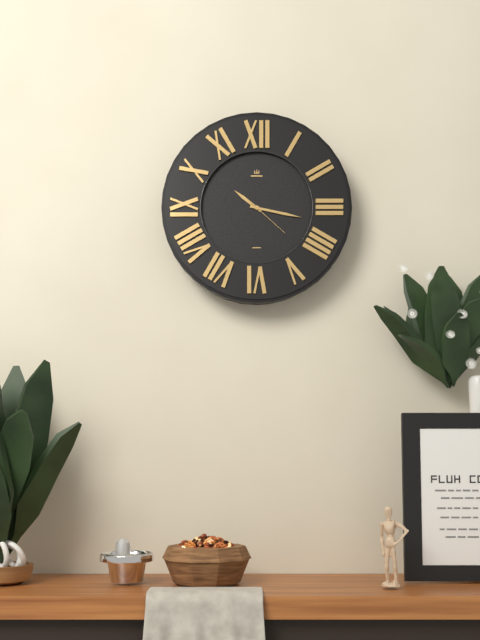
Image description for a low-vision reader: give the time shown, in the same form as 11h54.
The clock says 10h17
